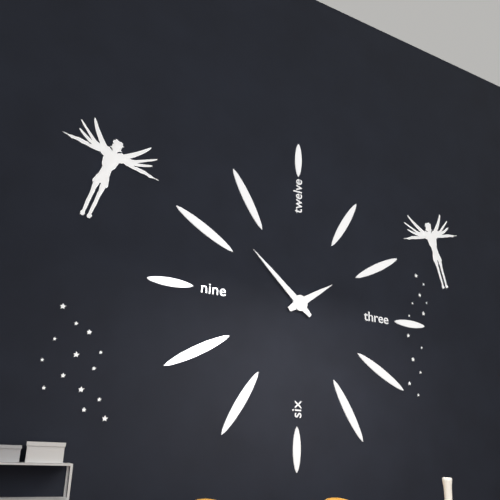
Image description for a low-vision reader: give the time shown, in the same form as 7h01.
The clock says 1h52
